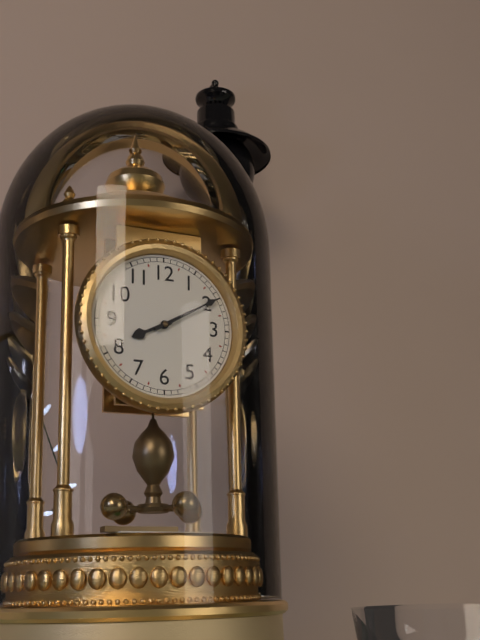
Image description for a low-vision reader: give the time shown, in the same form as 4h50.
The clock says 8h10
